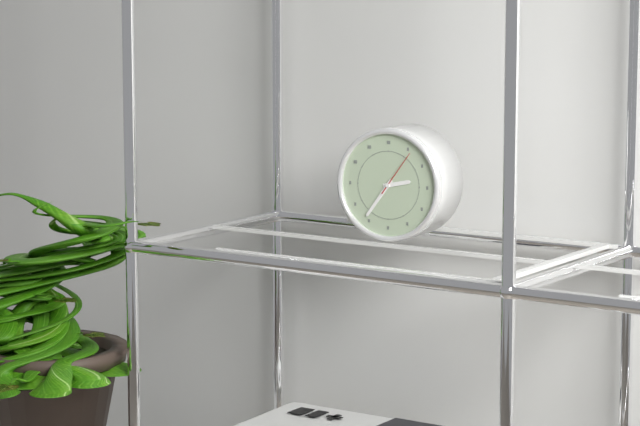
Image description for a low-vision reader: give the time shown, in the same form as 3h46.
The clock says 2h36
